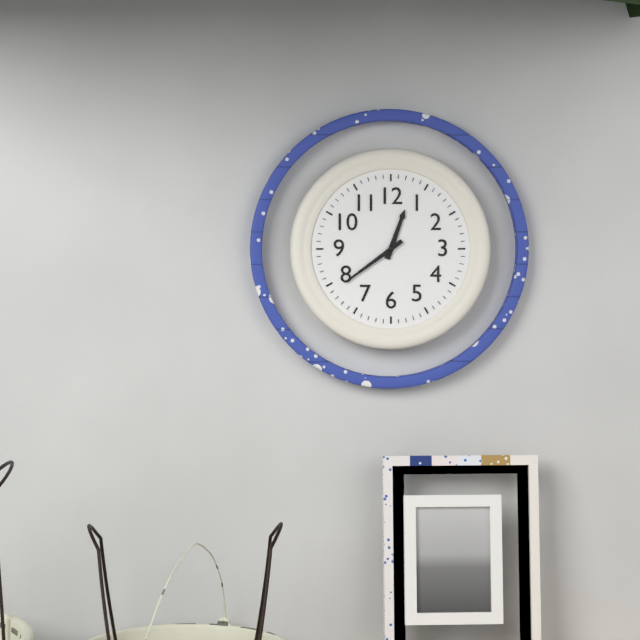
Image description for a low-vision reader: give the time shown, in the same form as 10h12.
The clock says 12h39
